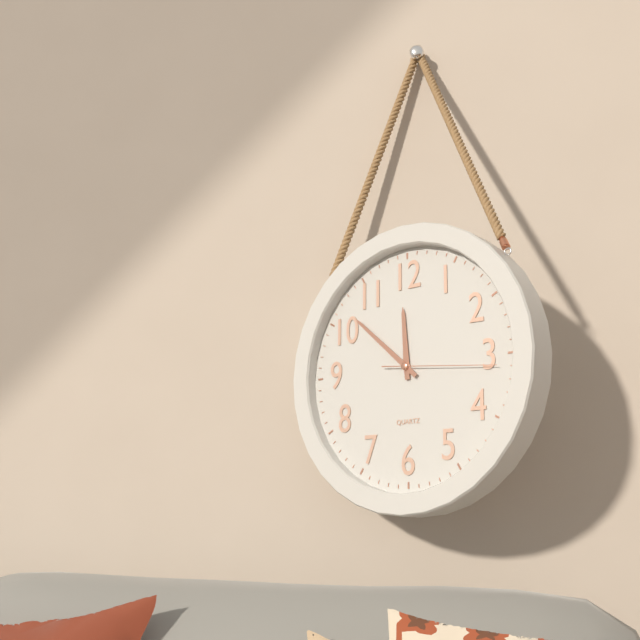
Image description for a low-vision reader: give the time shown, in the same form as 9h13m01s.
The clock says 11h52m16s
